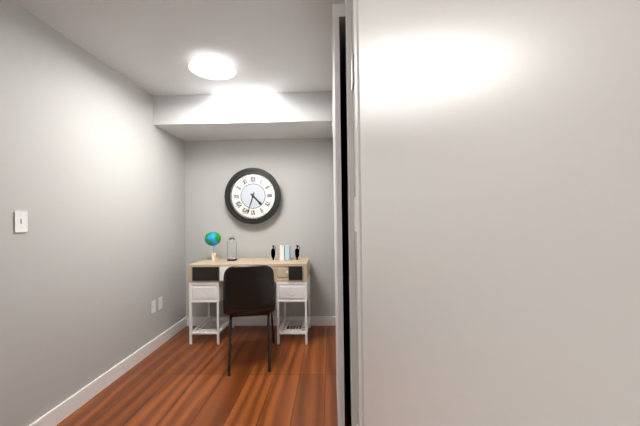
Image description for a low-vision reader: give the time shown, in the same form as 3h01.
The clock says 4h33
